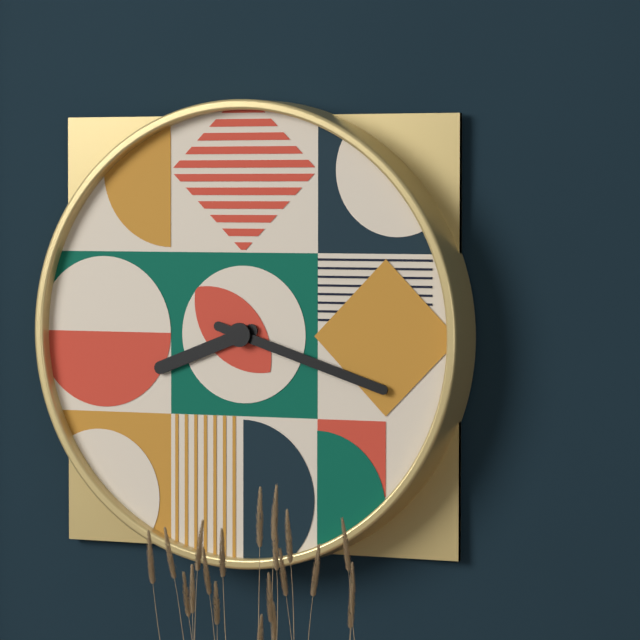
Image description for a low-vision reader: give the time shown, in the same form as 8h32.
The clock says 8h18
